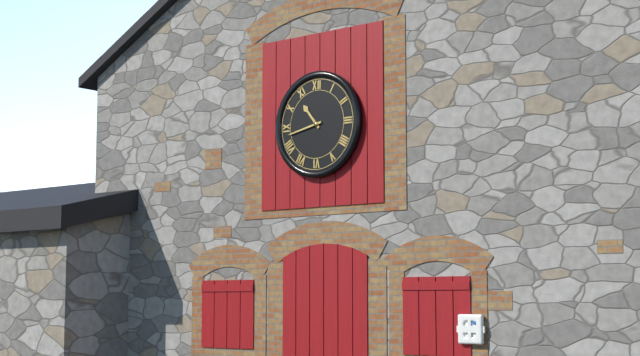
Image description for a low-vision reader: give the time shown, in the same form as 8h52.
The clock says 10h43
